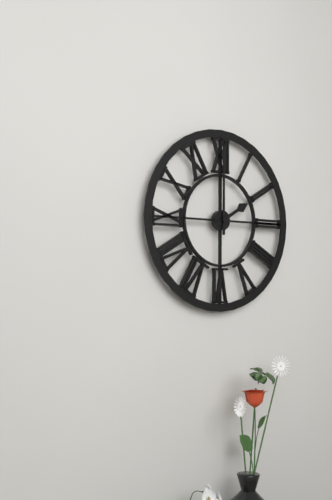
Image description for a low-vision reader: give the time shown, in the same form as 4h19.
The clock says 2h00
